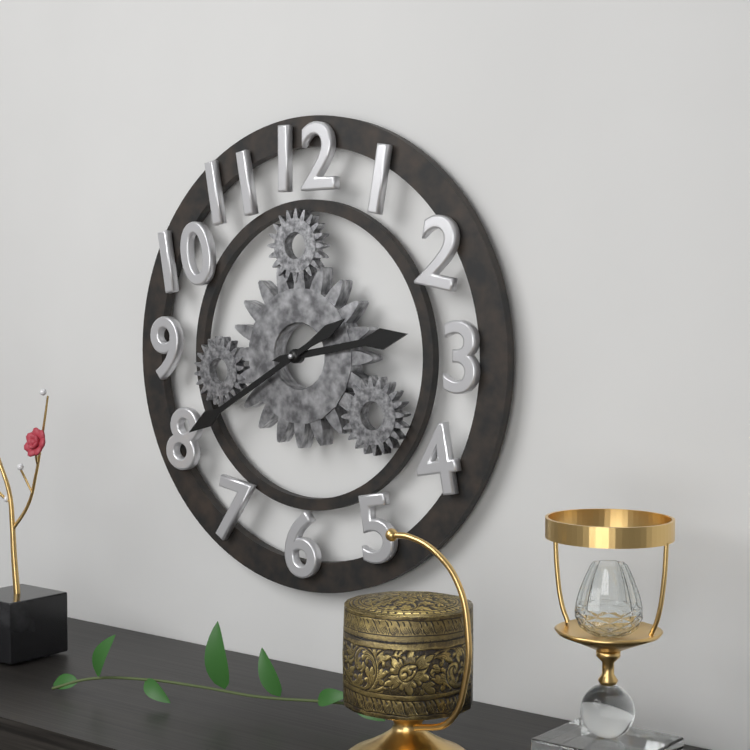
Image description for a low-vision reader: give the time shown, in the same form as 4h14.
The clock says 2h40
